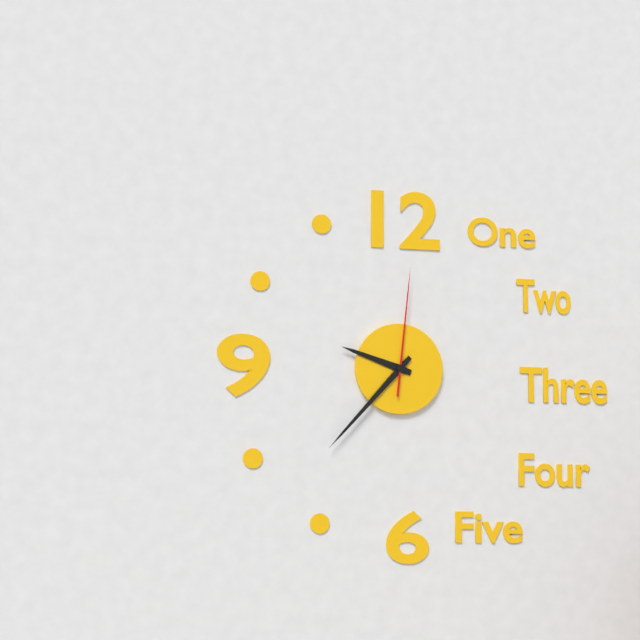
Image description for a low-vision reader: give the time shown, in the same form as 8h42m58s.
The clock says 9h37m01s
